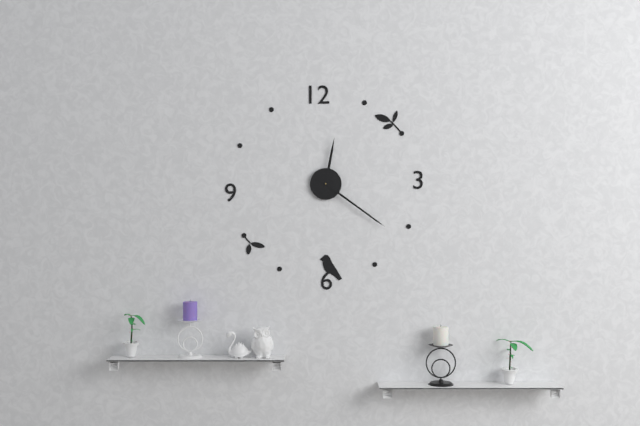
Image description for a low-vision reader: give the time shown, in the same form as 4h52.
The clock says 12h21
